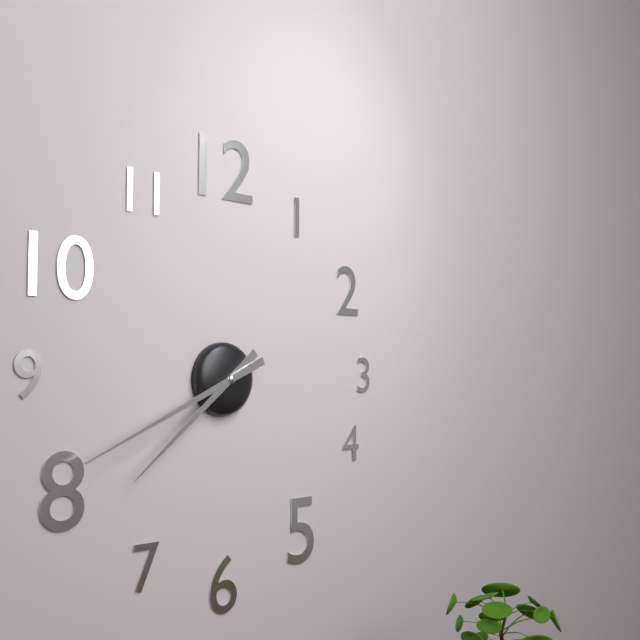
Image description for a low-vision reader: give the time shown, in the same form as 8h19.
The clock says 7h41
